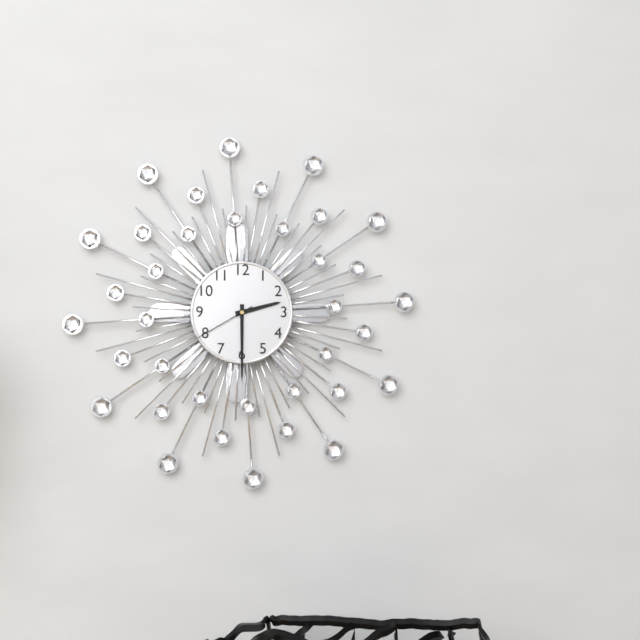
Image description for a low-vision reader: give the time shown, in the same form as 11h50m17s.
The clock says 2h30m40s
